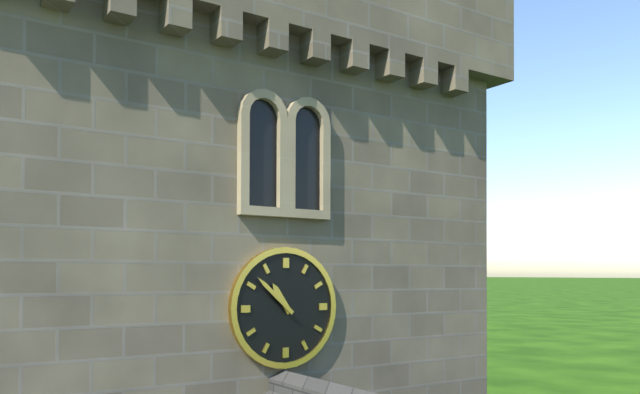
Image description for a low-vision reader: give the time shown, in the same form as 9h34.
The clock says 10h52
